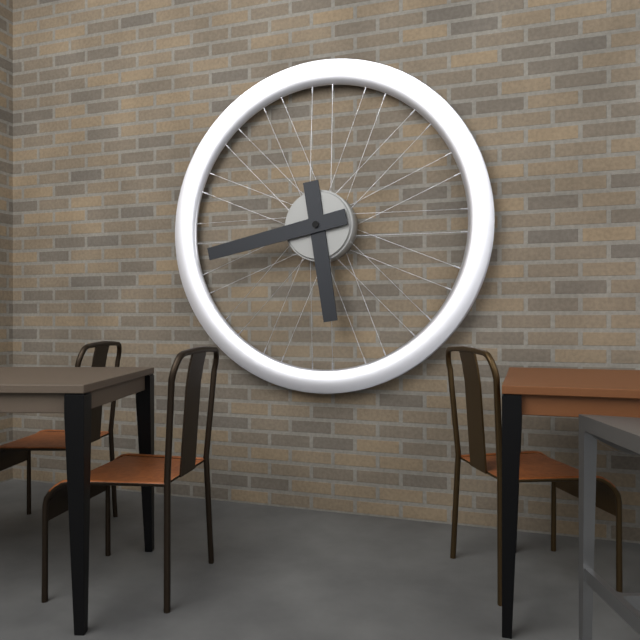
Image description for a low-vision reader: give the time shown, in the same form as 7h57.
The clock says 5h43
